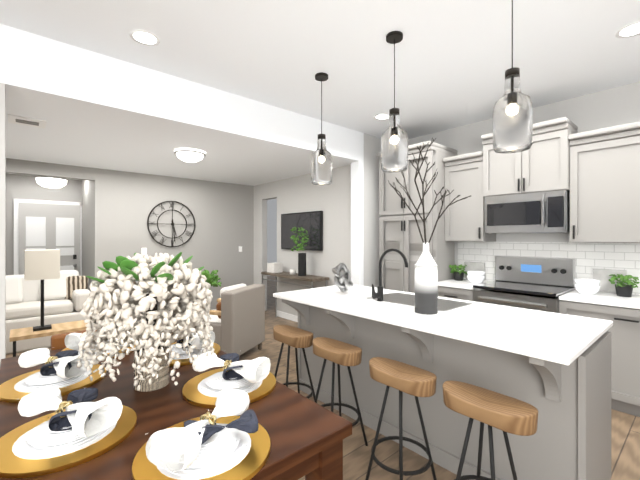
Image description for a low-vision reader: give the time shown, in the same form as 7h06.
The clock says 5h29
